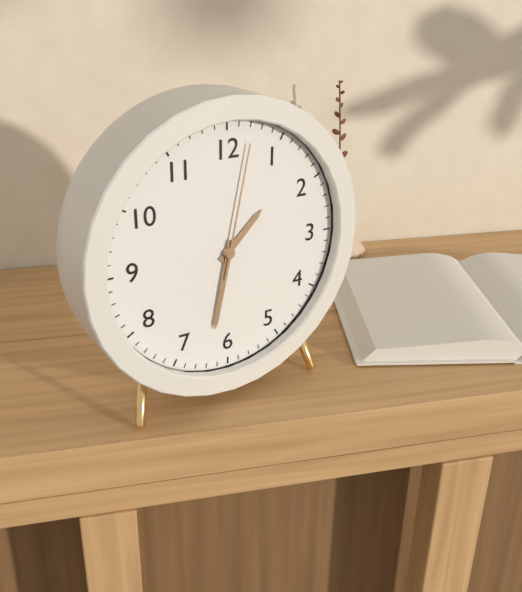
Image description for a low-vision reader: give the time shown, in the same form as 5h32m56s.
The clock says 1h32m02s
